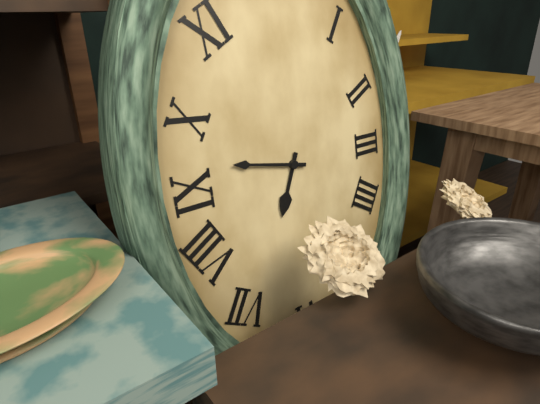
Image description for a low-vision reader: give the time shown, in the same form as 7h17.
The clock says 6h47
